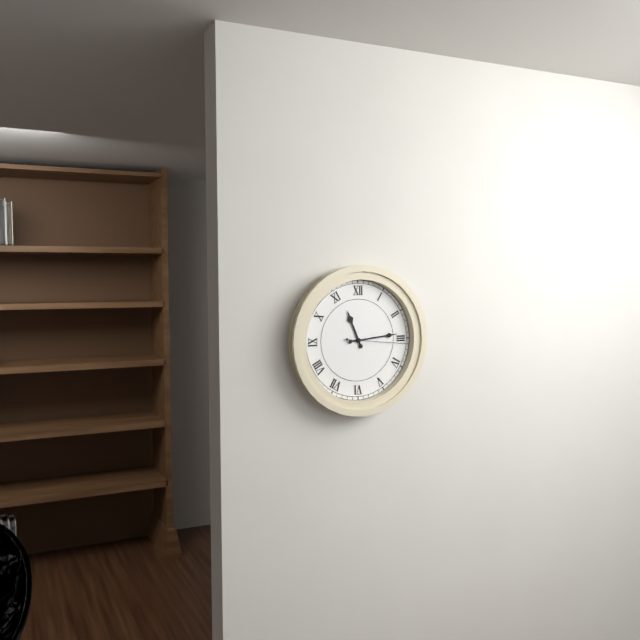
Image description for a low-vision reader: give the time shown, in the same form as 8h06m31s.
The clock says 11h14m16s
